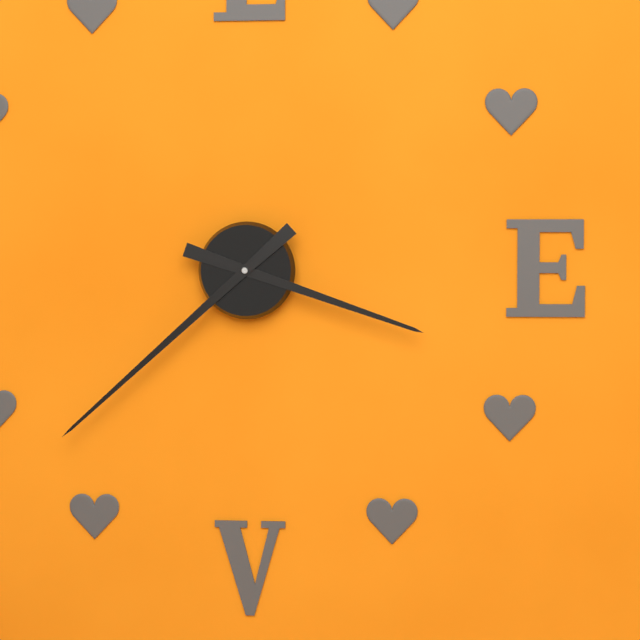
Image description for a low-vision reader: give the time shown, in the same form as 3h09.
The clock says 3h38
